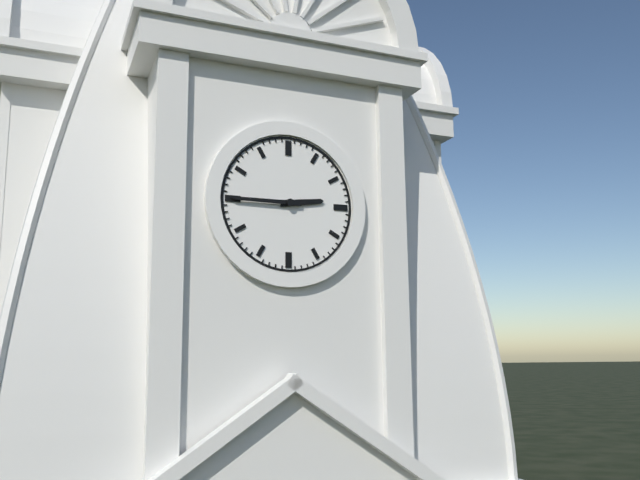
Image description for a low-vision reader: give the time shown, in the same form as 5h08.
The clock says 2h45
